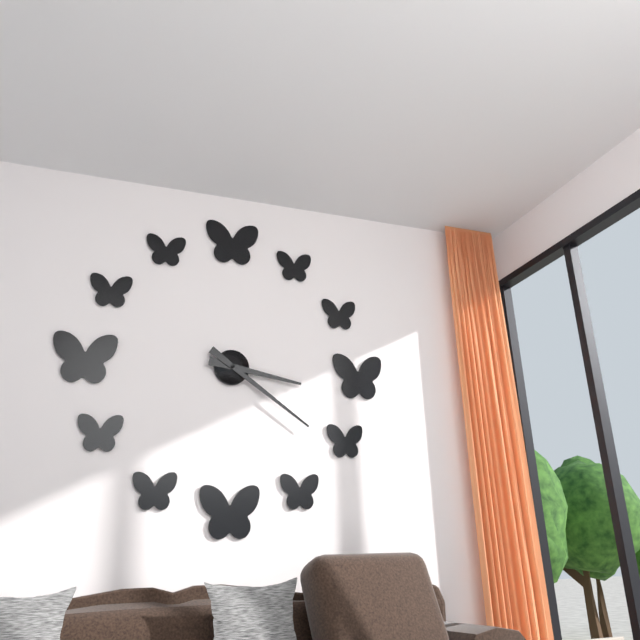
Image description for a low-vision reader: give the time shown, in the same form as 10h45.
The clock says 3h21
